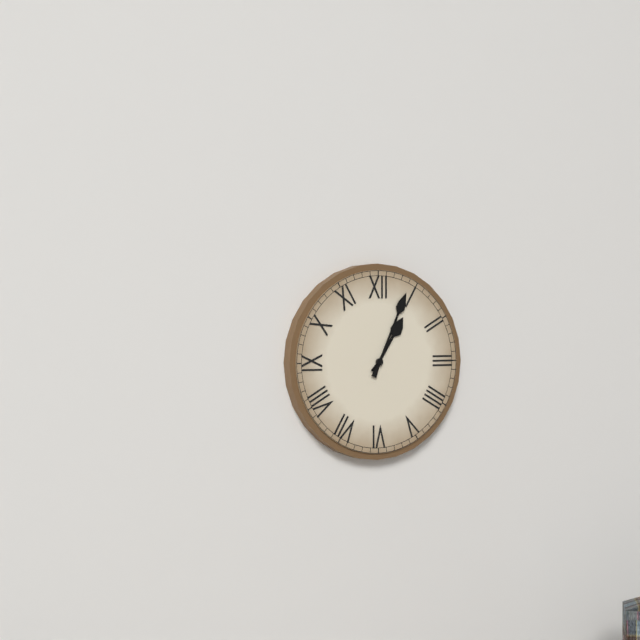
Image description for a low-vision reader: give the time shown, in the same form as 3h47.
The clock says 1h04
